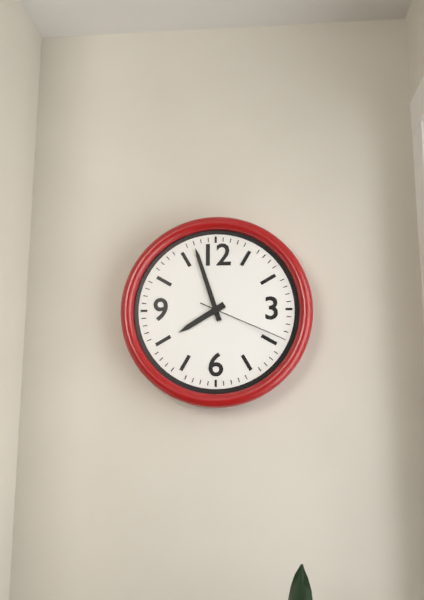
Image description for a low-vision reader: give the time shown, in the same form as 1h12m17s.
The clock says 7h57m19s
